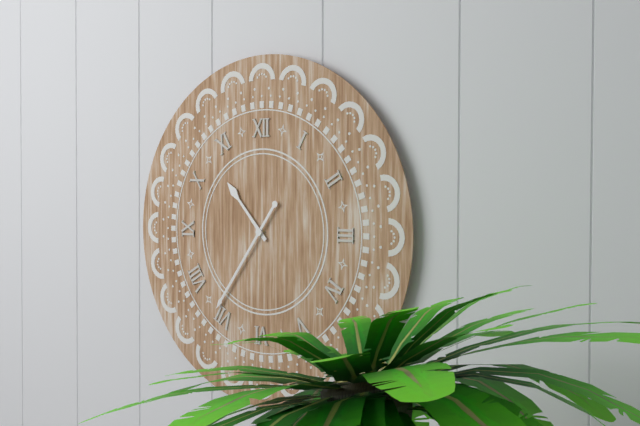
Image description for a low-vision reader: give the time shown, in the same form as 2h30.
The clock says 10h36
